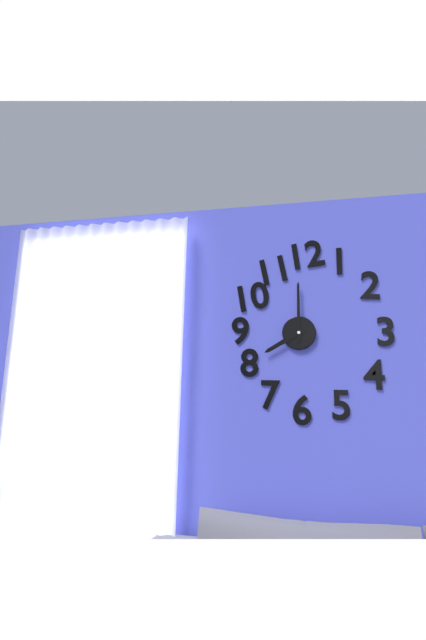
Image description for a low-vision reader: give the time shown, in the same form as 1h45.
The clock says 8h00
